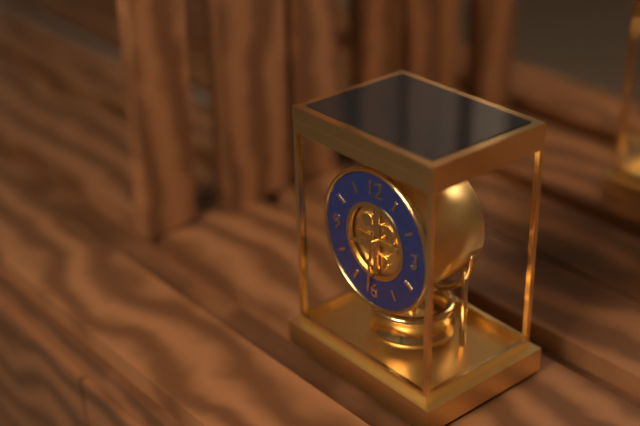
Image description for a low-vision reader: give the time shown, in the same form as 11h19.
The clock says 8h31
